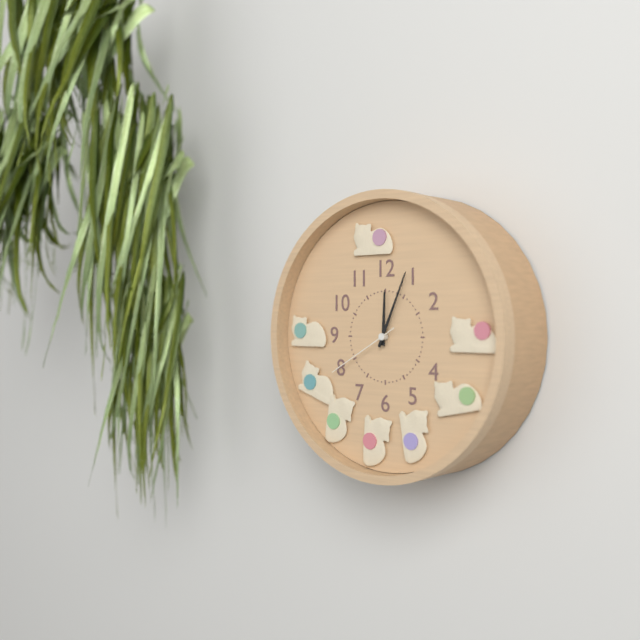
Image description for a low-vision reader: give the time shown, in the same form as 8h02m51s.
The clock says 12h04m40s
